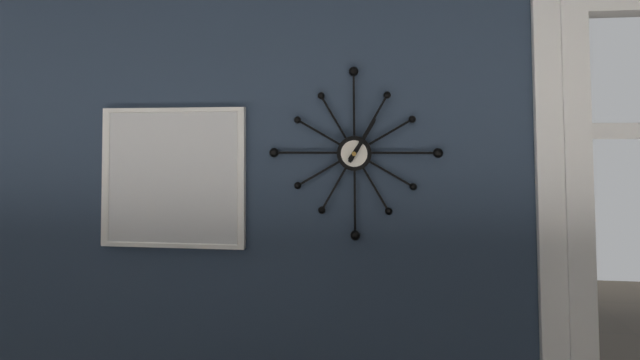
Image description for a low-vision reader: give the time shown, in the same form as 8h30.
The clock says 1h05
